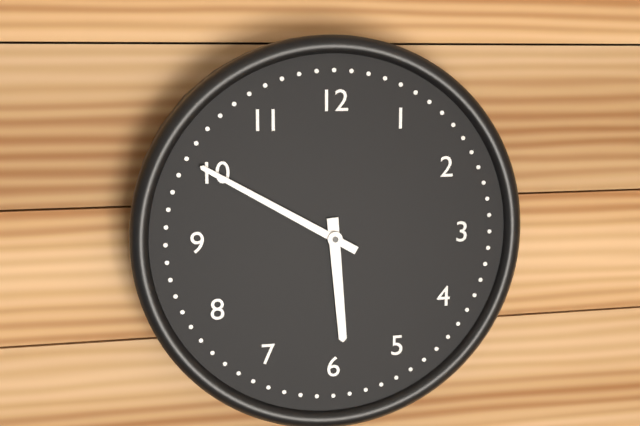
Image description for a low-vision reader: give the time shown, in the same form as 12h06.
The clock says 5h50
